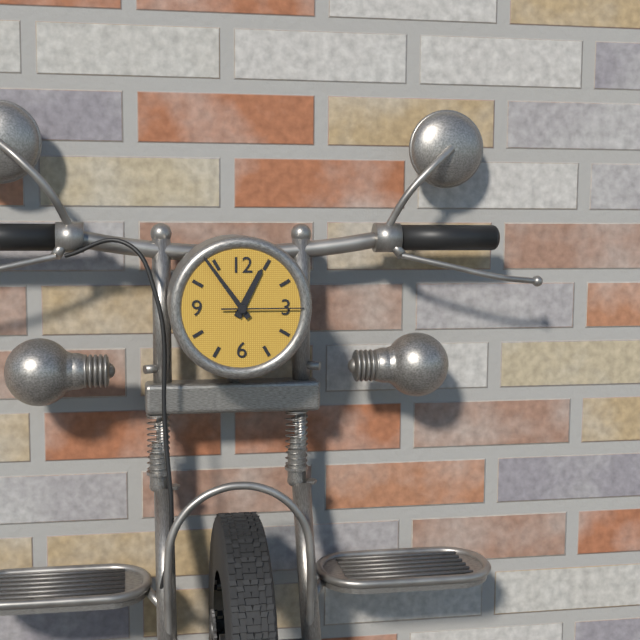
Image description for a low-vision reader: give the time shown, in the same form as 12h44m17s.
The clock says 12h54m15s
